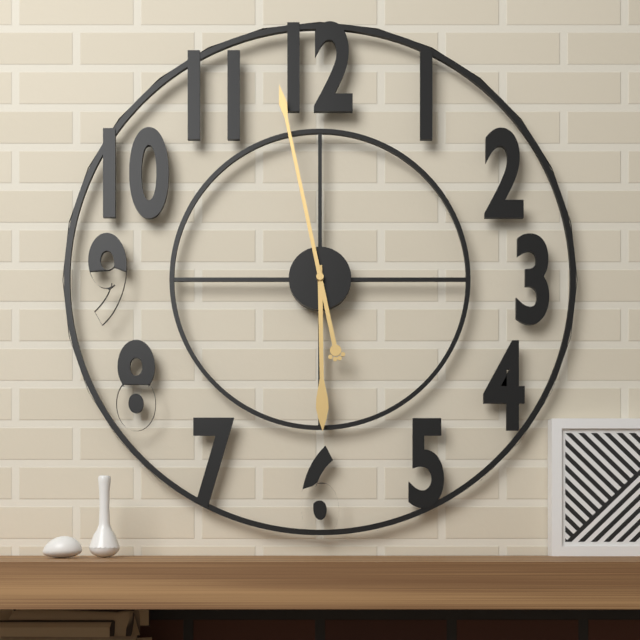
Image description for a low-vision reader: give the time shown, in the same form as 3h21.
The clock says 5h58
